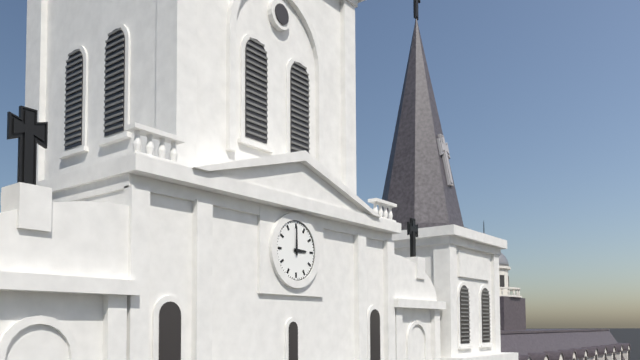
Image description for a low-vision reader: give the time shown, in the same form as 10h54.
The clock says 3h00
